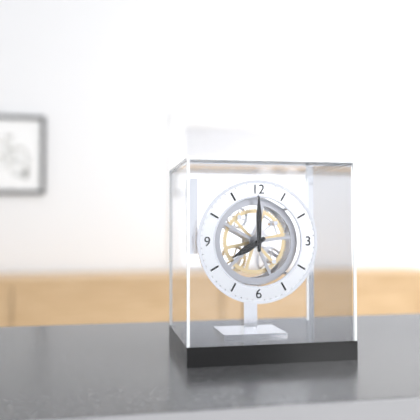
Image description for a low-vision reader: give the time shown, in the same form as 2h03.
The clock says 8h00
